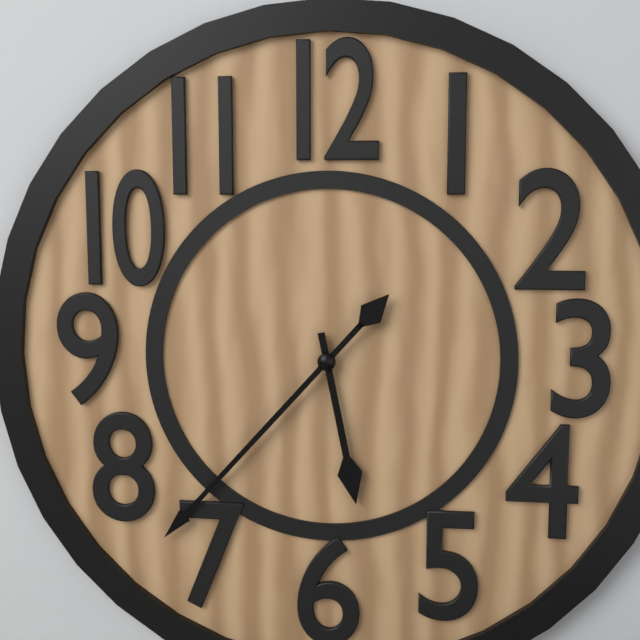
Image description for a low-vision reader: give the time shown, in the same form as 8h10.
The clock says 5h37
